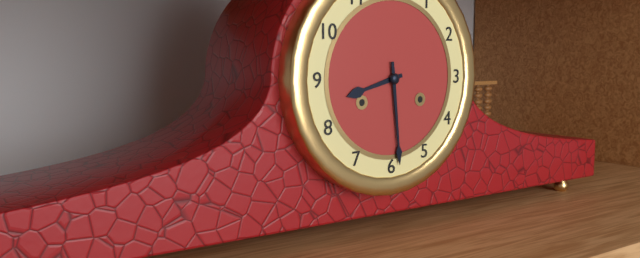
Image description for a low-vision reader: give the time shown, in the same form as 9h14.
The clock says 8h29
